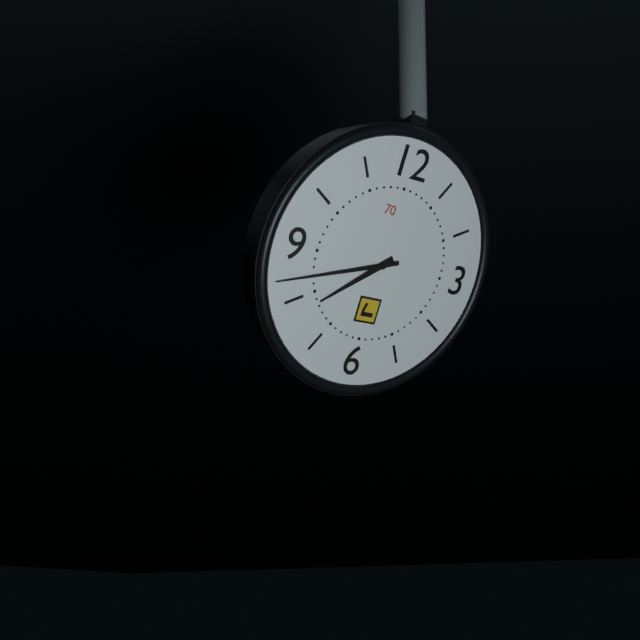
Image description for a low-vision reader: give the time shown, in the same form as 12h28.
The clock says 7h42
